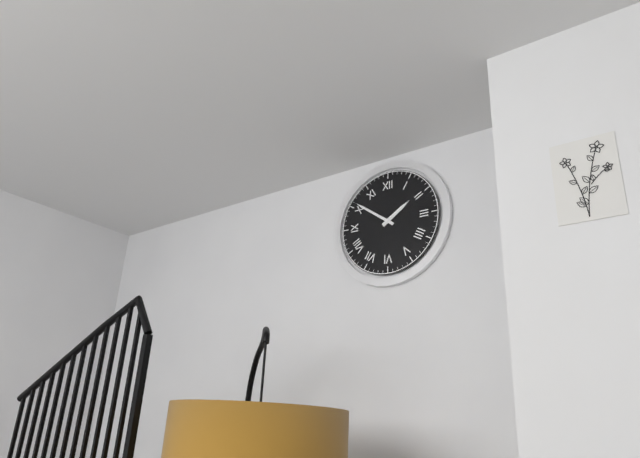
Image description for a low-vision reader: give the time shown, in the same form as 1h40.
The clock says 1h51
